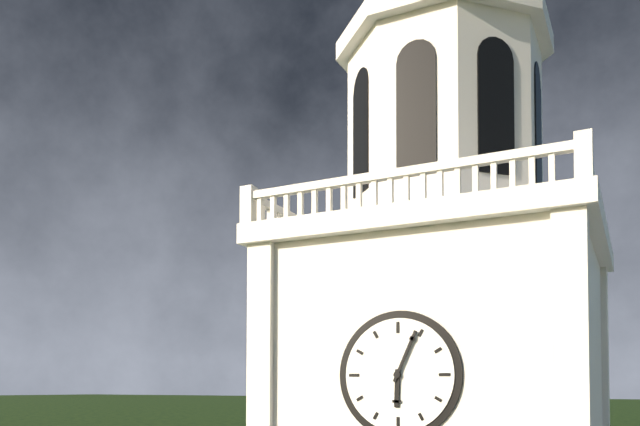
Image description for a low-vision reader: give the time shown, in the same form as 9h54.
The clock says 6h04
